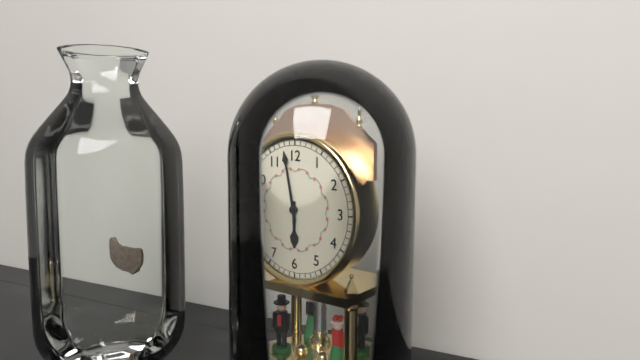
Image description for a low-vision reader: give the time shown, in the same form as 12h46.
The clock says 5h58
